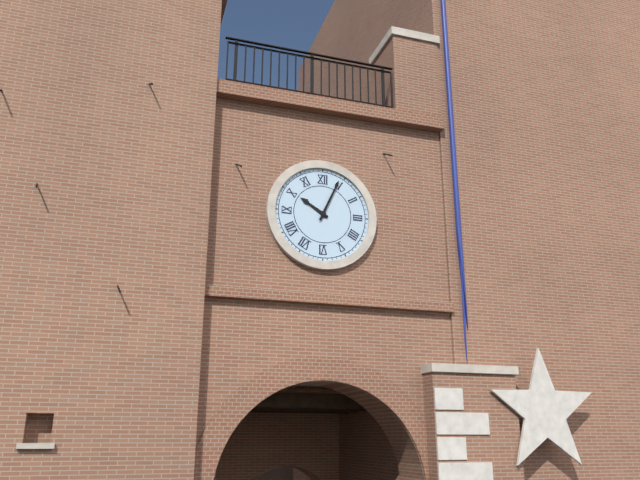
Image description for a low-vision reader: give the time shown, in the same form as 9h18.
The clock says 10h04
